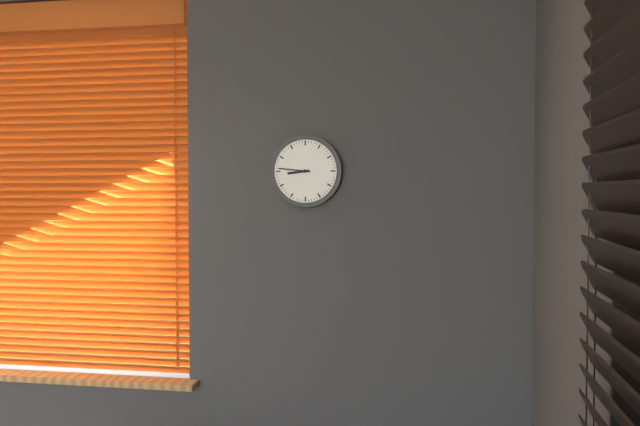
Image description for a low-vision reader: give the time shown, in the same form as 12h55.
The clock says 8h46
